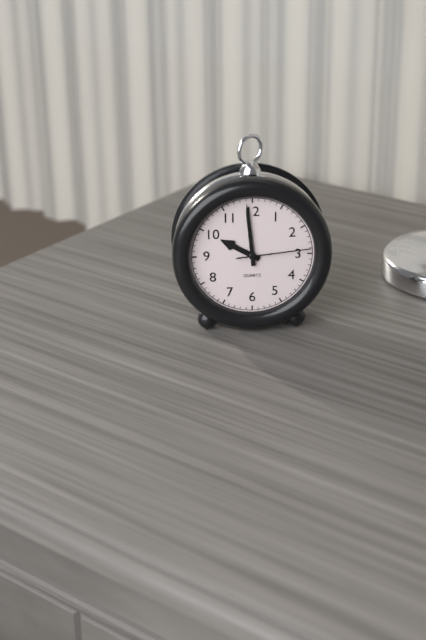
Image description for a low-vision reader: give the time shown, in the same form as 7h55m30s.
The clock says 9h59m14s
